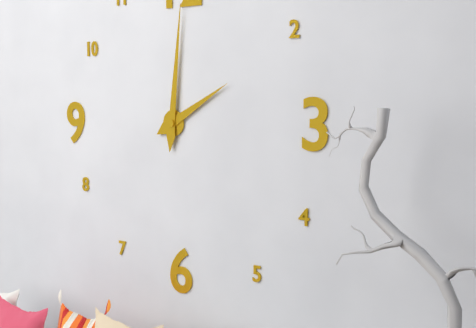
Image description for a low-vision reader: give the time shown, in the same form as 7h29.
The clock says 2h01
